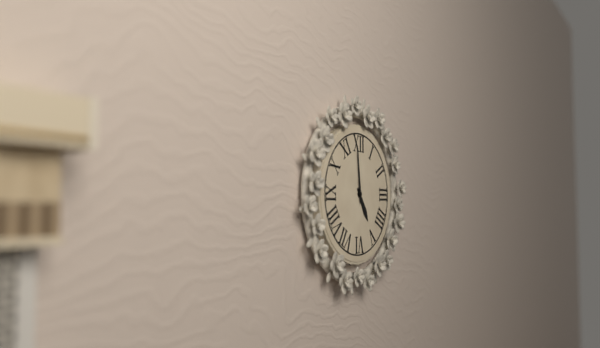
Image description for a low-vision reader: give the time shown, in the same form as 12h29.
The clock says 4h59
